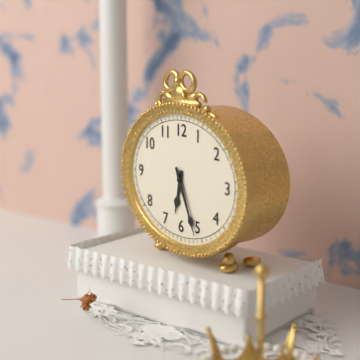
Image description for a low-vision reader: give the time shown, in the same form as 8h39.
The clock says 6h26
